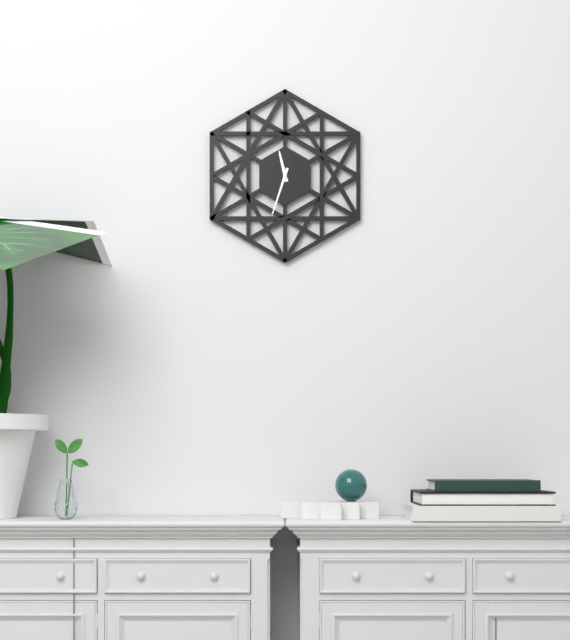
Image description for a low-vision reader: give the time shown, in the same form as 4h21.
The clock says 11h33
